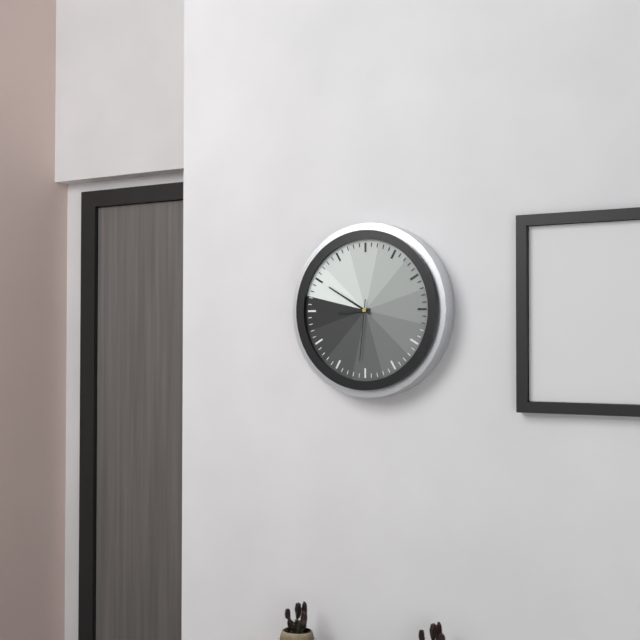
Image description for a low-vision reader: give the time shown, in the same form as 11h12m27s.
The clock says 8h50m31s
